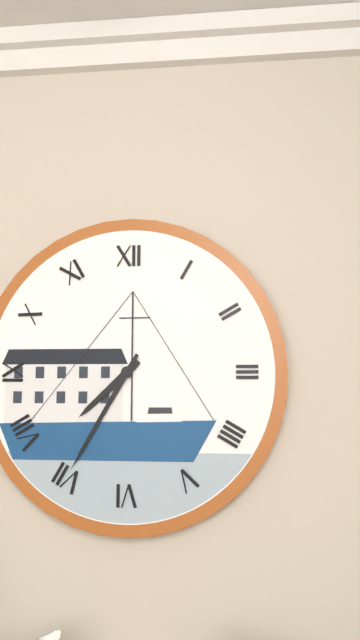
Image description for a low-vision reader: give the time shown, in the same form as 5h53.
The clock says 7h35
